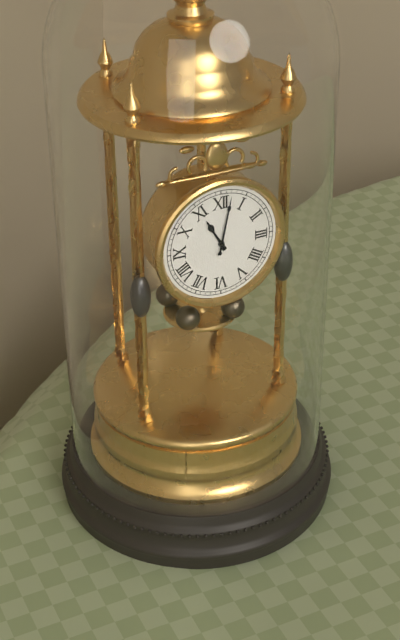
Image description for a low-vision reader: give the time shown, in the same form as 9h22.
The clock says 11h02
